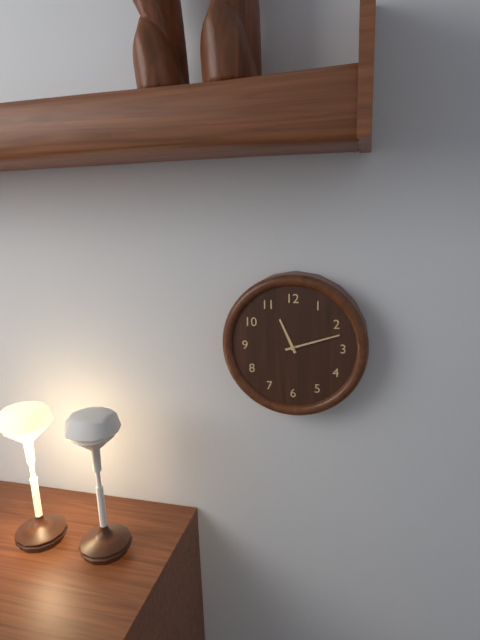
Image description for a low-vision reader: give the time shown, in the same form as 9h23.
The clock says 11h12
